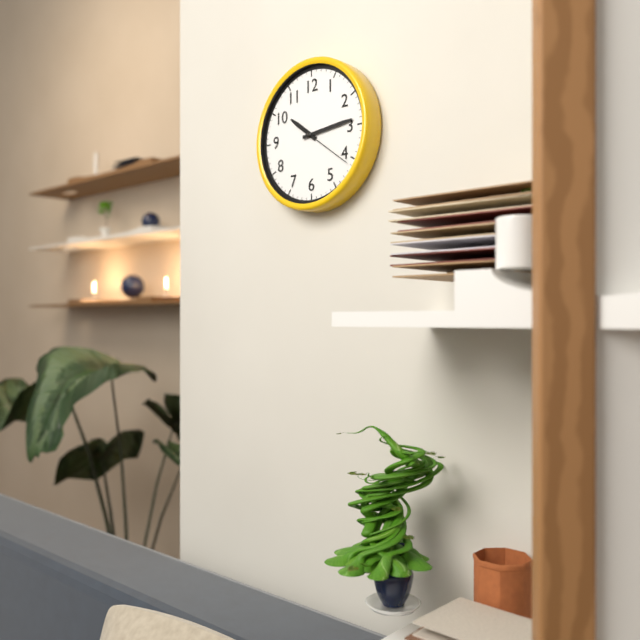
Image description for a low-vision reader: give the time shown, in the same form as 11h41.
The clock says 10h14
